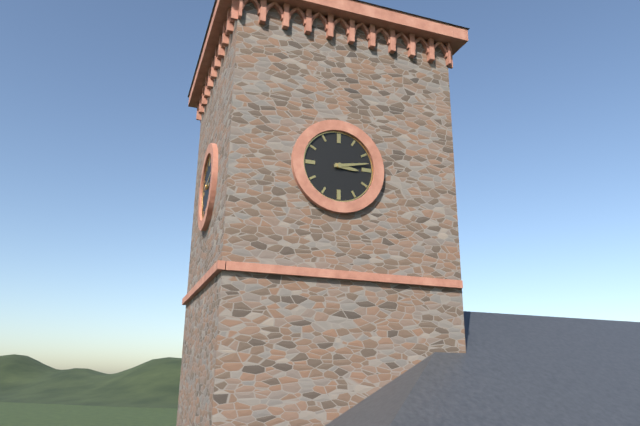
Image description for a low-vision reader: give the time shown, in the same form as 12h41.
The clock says 3h13
